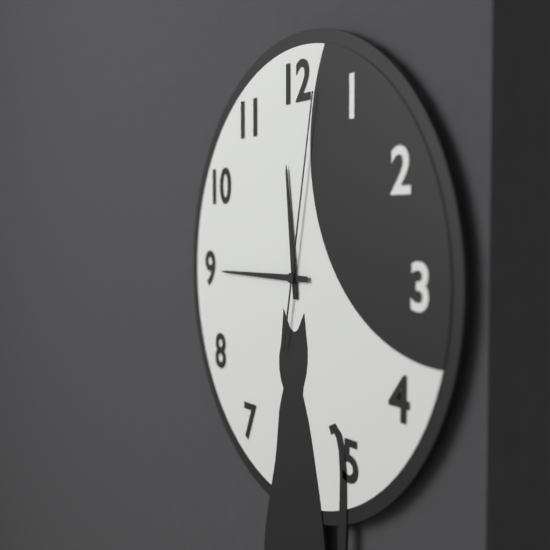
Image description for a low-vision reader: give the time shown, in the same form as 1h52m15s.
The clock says 11h45m02s
